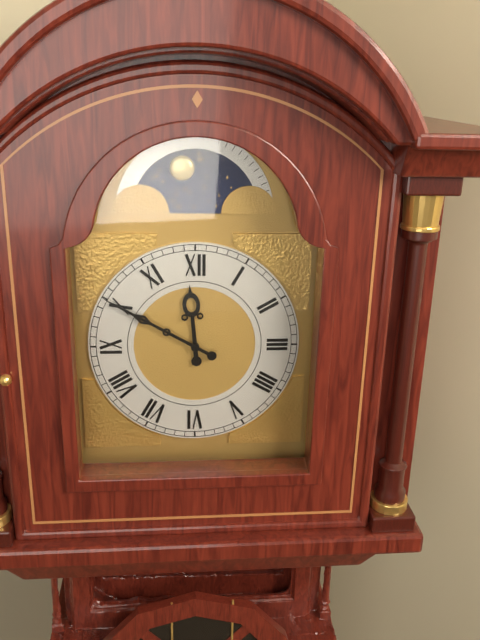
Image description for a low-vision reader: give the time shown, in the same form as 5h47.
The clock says 11h50
